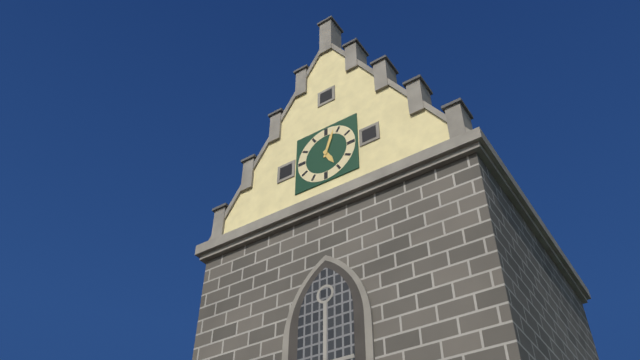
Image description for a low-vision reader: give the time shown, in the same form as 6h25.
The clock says 5h03
